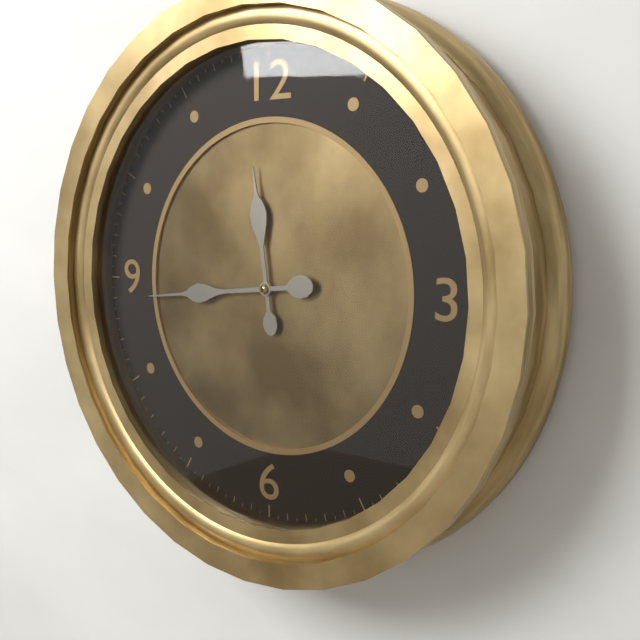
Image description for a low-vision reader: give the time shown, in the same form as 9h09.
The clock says 11h44
